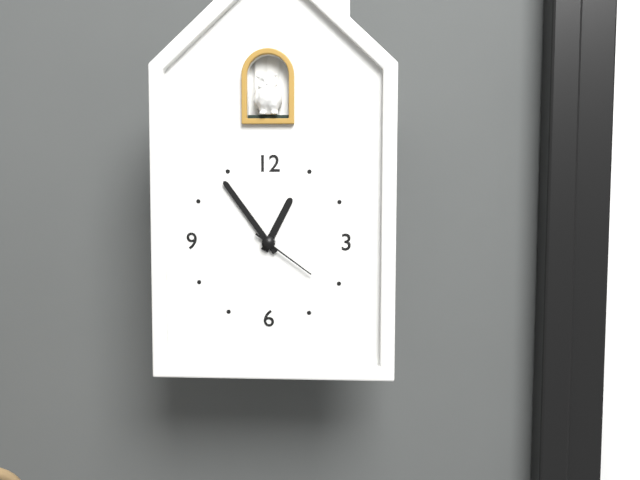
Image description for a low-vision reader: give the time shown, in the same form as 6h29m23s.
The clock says 12h54m21s
